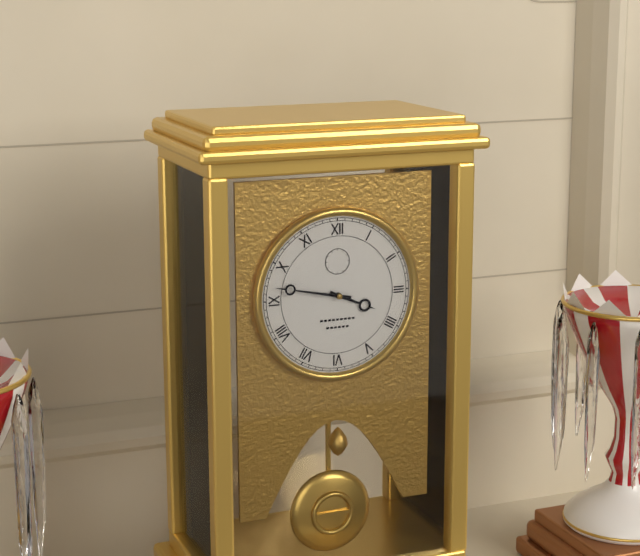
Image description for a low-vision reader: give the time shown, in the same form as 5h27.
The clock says 3h47
